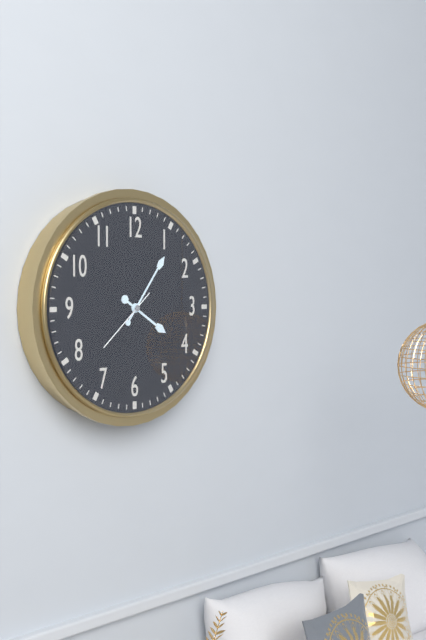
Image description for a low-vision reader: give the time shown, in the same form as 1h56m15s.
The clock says 4h06m38s
